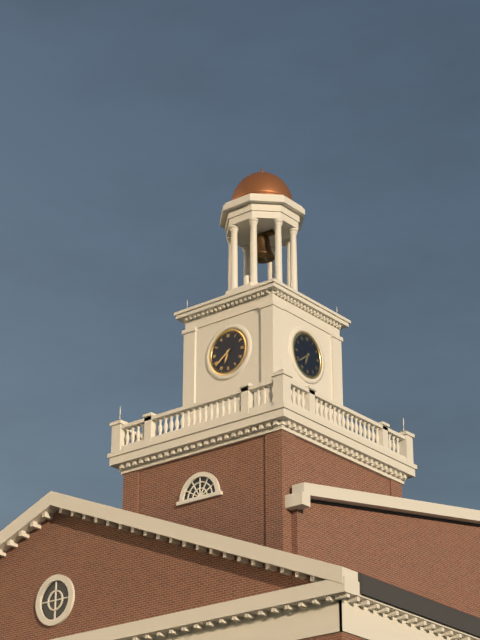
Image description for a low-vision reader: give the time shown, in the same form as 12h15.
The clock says 6h39
